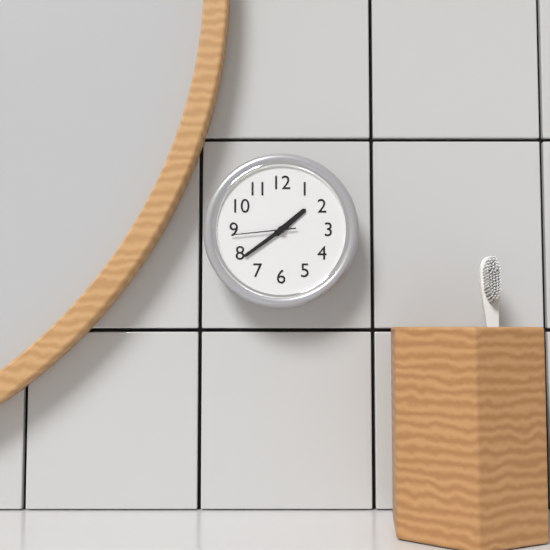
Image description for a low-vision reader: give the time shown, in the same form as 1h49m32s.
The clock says 1h39m44s
